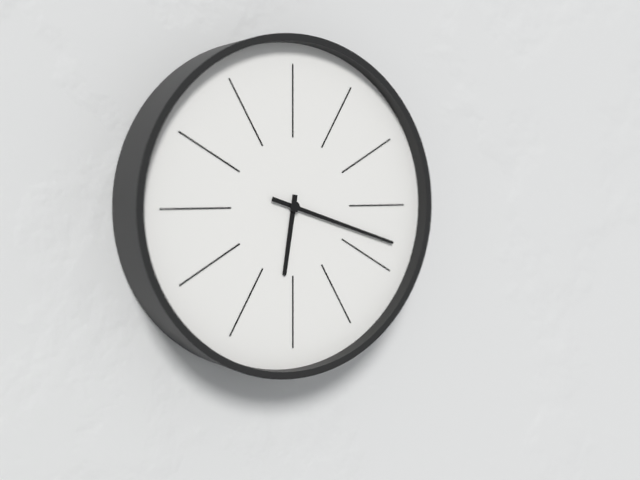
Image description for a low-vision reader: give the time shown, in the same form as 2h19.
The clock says 6h18
